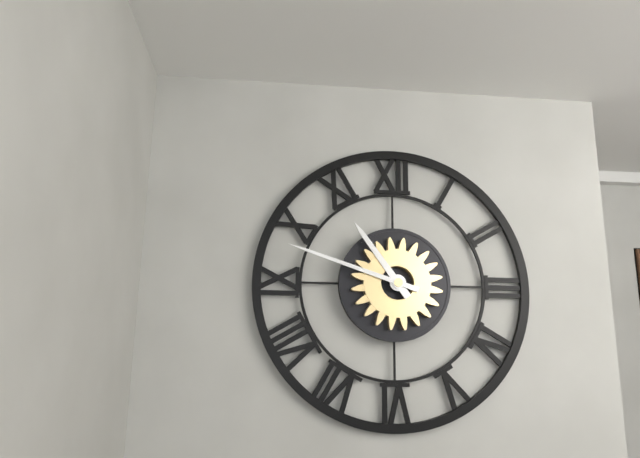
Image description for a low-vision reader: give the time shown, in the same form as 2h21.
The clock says 10h48
